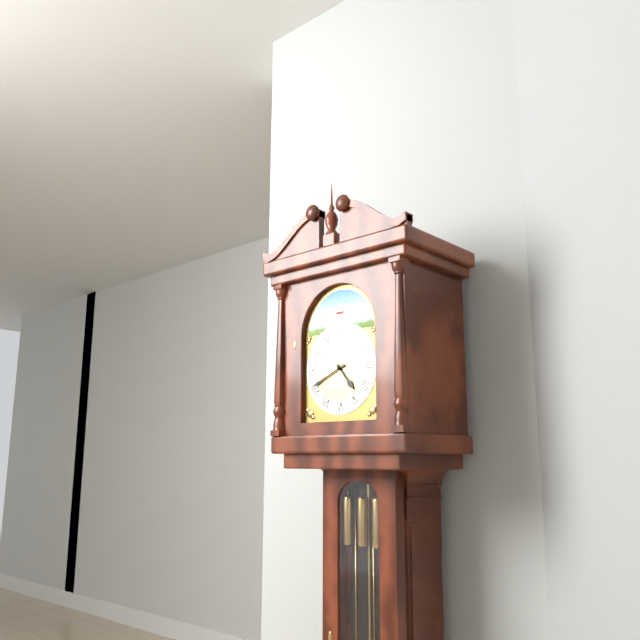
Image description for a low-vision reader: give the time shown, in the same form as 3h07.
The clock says 4h41
